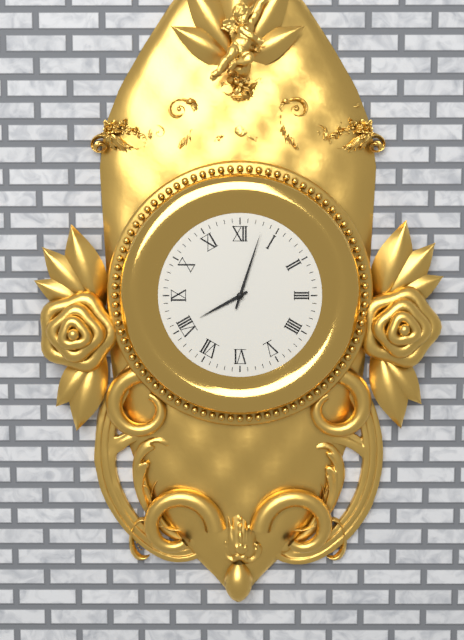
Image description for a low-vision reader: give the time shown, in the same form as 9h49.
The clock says 8h03
